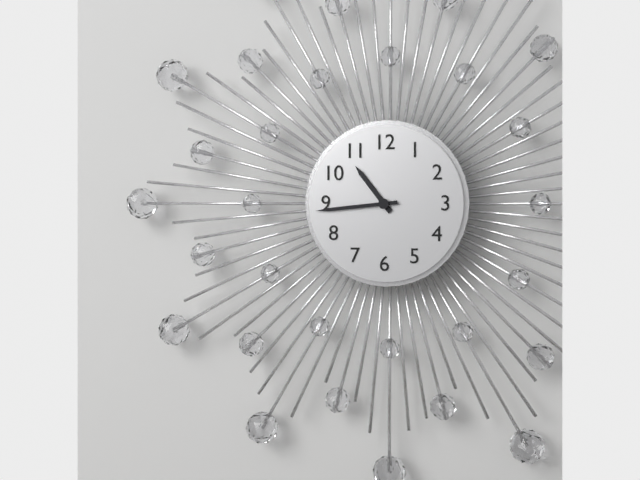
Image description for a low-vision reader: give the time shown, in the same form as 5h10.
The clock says 10h44
